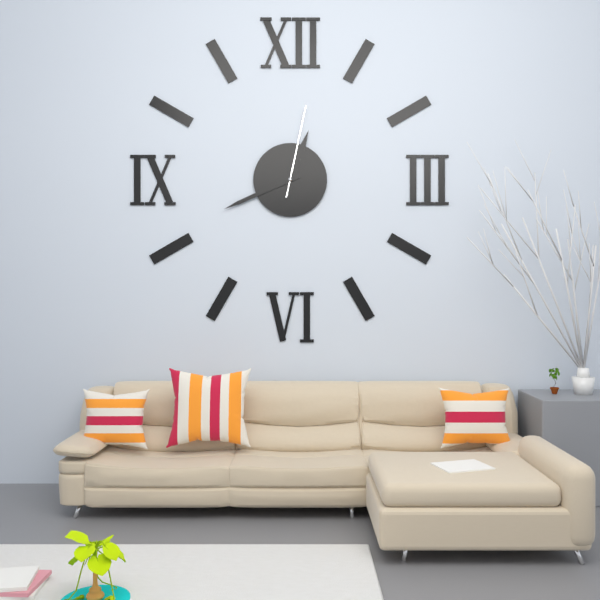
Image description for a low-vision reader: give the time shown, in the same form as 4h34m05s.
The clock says 12h41m02s
